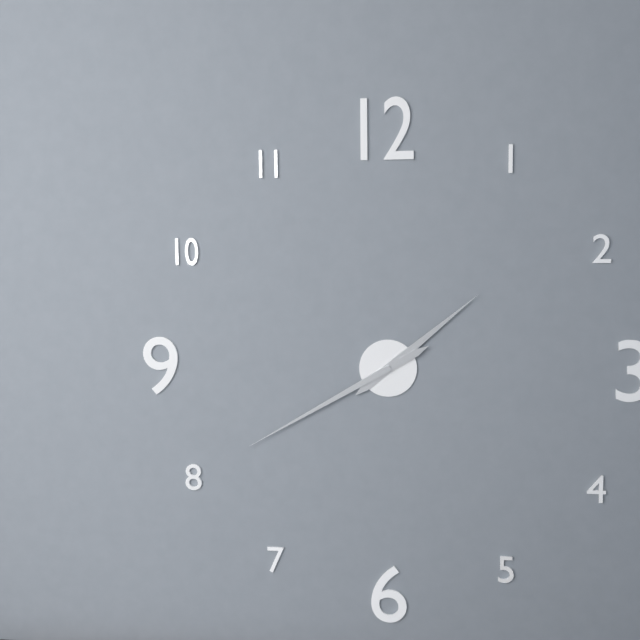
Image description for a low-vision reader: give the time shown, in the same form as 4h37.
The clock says 1h40
